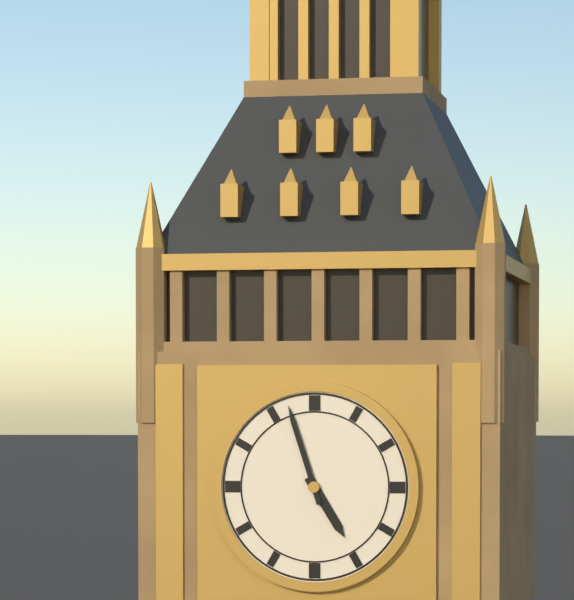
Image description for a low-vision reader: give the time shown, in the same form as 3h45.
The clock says 4h57
